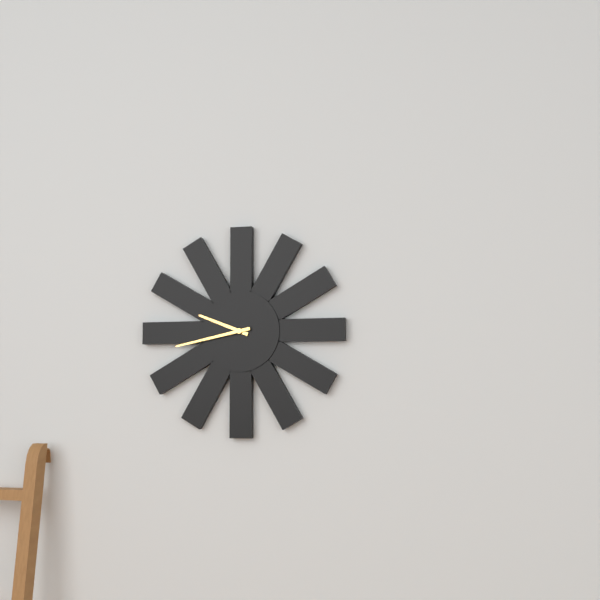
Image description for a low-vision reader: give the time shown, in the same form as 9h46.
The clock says 9h43
